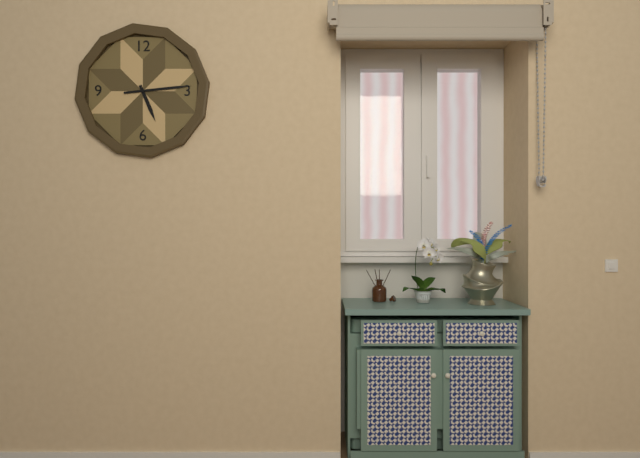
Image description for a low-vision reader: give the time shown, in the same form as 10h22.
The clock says 5h14
